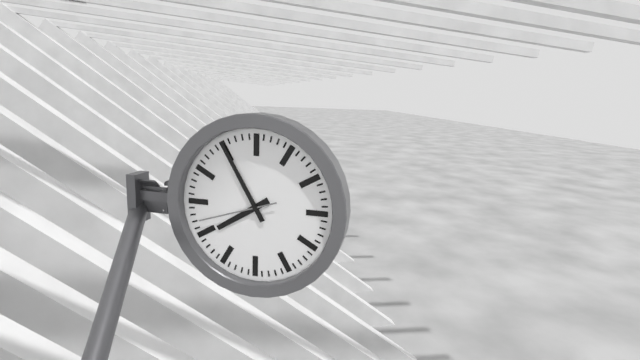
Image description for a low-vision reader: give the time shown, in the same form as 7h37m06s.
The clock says 7h55m42s
